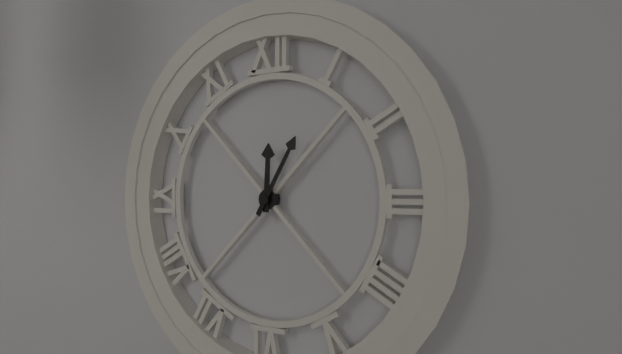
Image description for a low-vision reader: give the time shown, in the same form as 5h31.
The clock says 12h05
